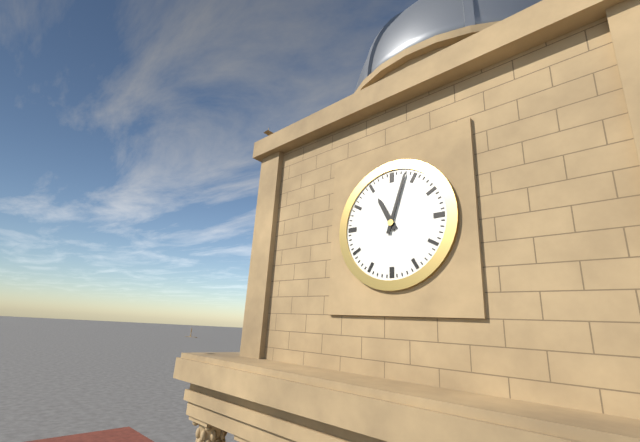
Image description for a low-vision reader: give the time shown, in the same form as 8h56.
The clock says 11h03
